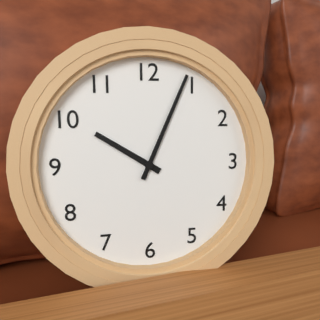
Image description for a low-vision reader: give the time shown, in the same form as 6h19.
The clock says 10h04
